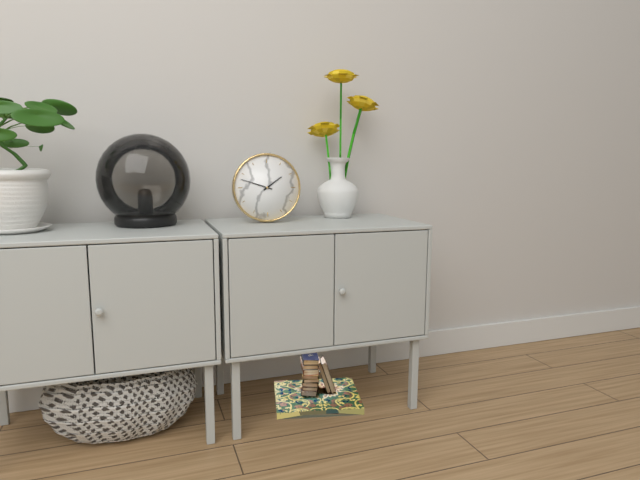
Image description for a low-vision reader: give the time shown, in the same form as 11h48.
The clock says 1h48
